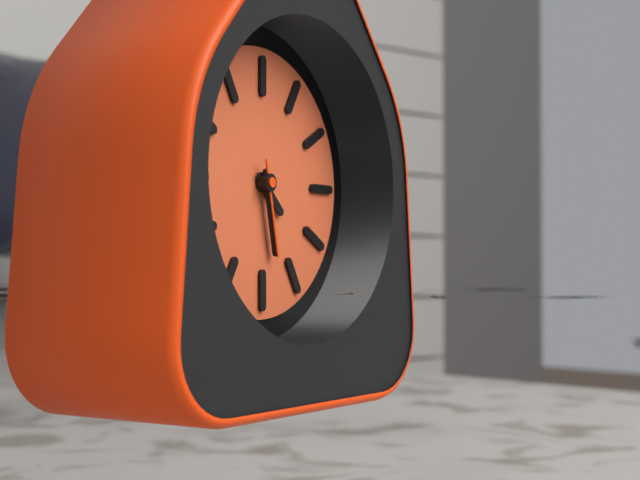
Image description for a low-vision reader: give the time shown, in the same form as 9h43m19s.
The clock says 4h28m28s
